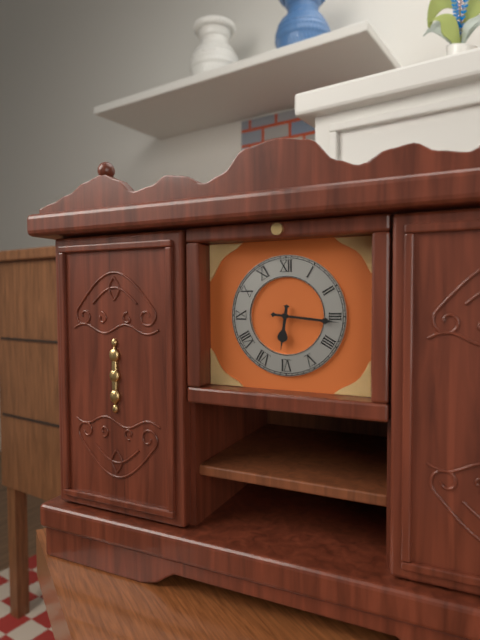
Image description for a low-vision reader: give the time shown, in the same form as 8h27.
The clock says 6h16
